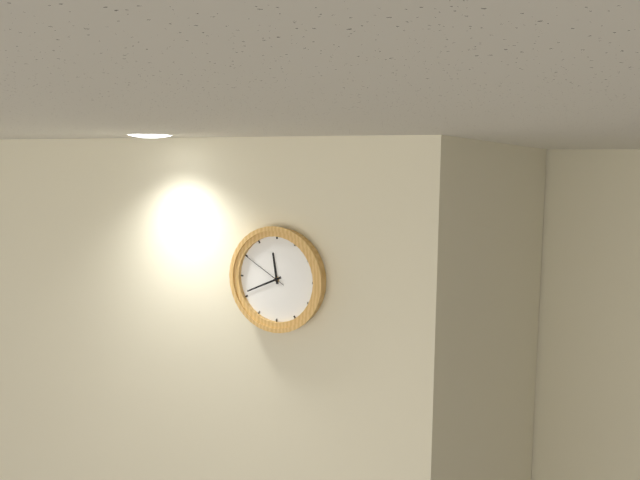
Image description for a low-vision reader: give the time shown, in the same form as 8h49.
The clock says 11h41
